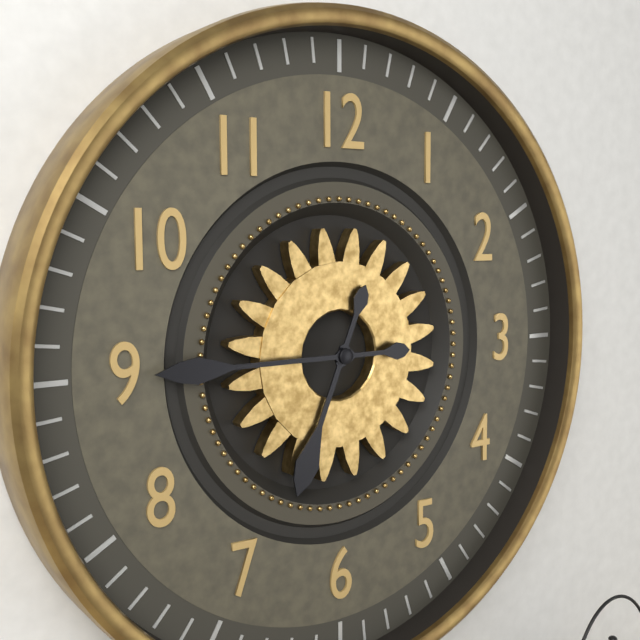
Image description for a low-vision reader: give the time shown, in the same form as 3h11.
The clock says 6h45
